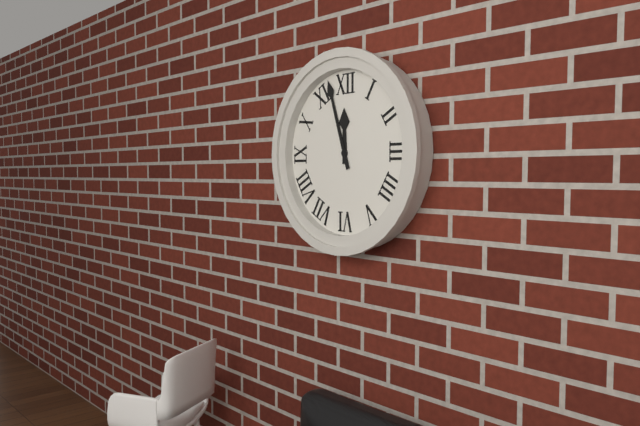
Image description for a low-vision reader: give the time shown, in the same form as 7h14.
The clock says 11h57
